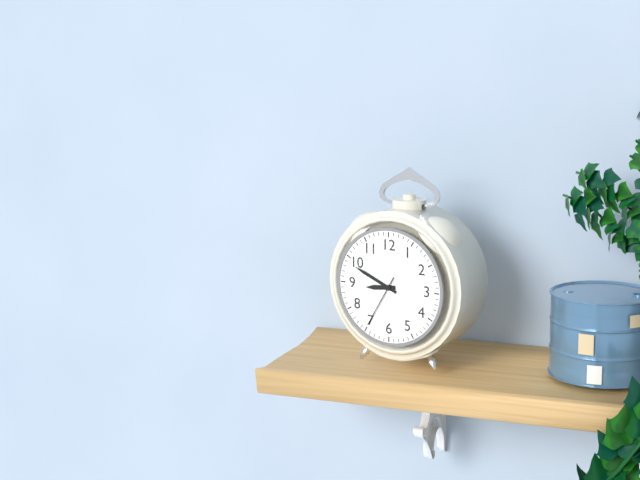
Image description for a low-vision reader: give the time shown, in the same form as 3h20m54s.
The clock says 8h49m35s
